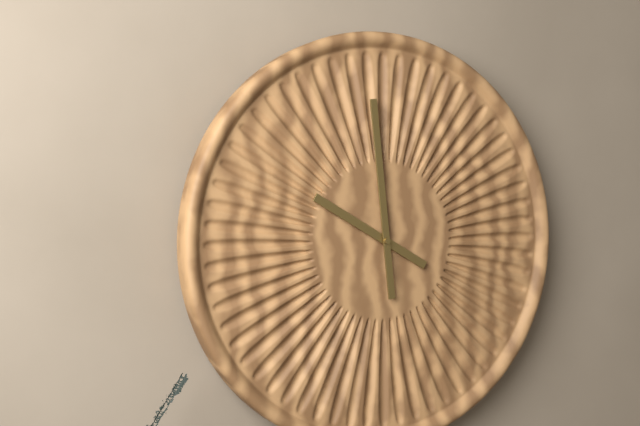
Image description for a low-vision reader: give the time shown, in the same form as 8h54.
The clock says 9h59
